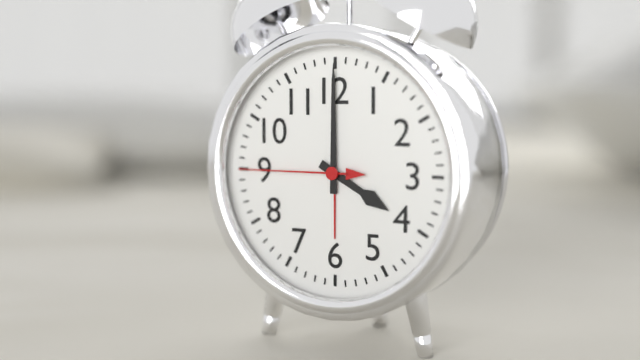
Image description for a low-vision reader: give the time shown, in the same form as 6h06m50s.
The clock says 4h00m45s
